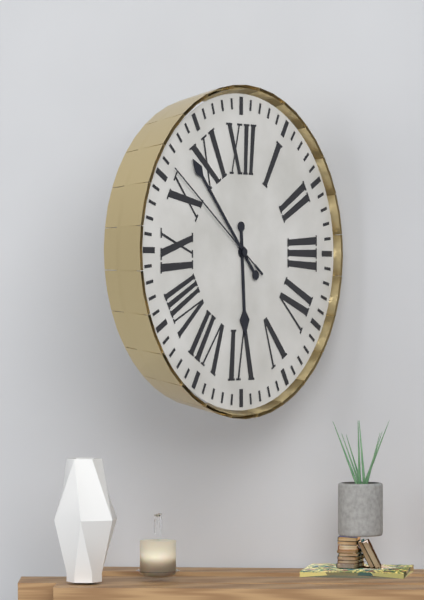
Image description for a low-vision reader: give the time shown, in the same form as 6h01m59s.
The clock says 5h53m51s
